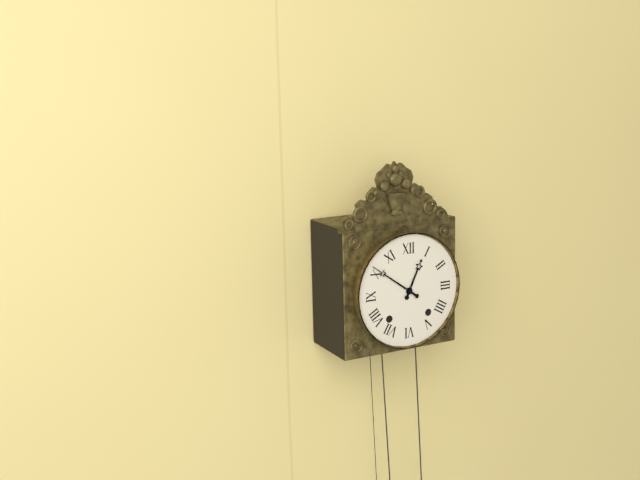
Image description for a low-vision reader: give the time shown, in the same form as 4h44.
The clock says 12h51
